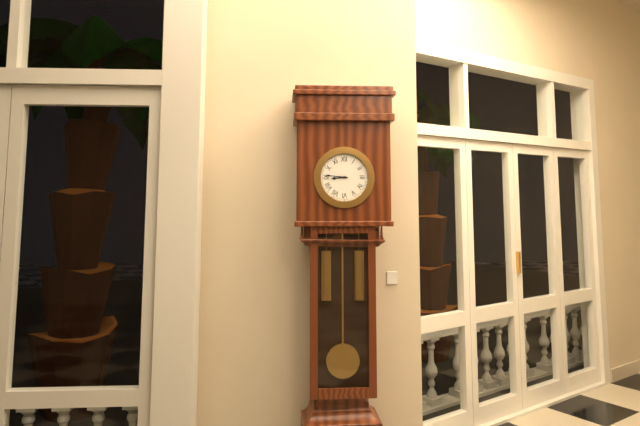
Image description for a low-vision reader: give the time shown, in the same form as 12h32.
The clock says 8h46
